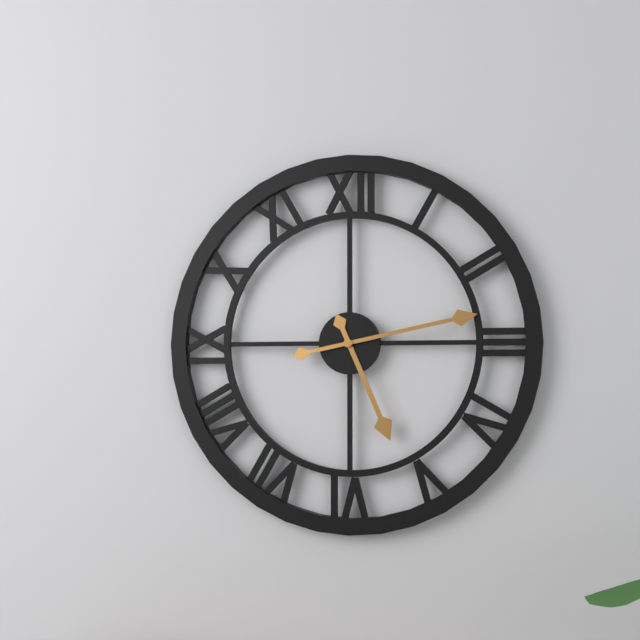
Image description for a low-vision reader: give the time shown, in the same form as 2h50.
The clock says 5h13
